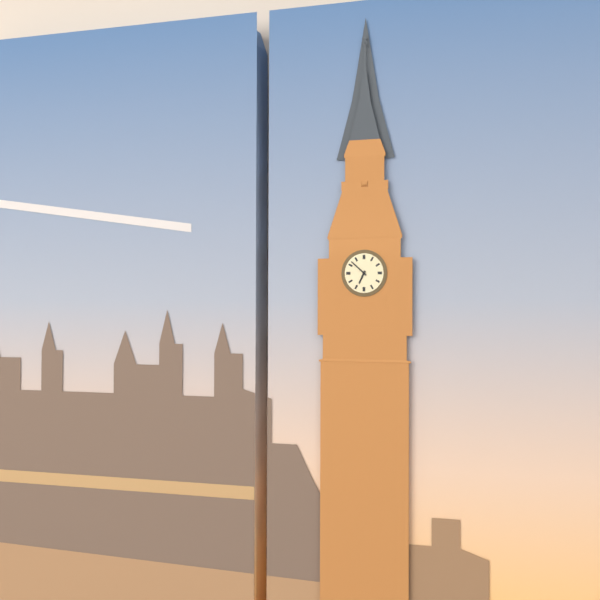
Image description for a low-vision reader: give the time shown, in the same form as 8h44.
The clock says 6h52
